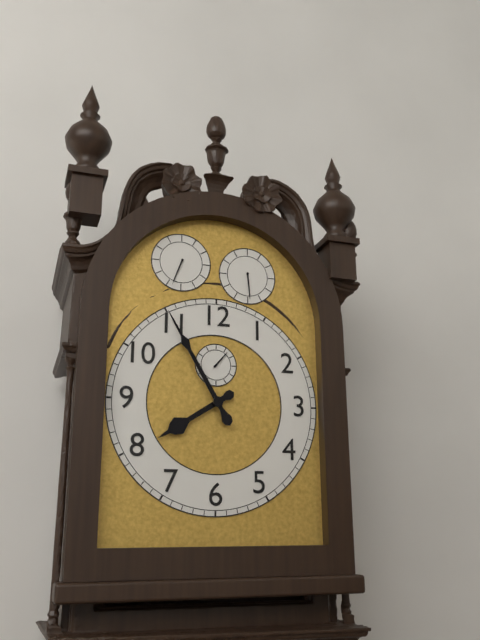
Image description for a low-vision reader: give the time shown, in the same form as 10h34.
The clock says 7h55
